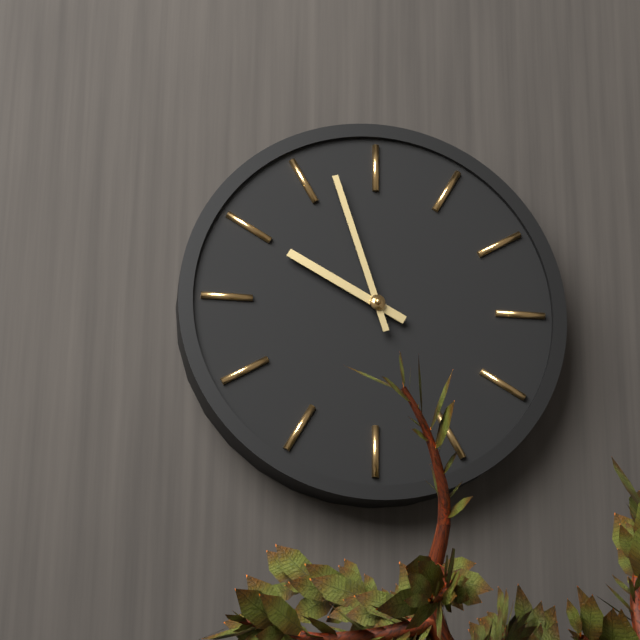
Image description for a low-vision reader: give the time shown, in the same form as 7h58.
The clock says 9h57
